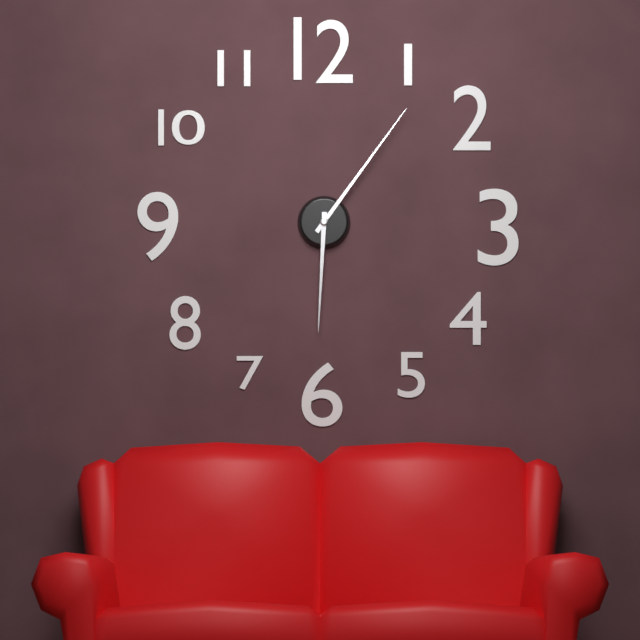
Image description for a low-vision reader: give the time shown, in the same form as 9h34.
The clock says 6h06
